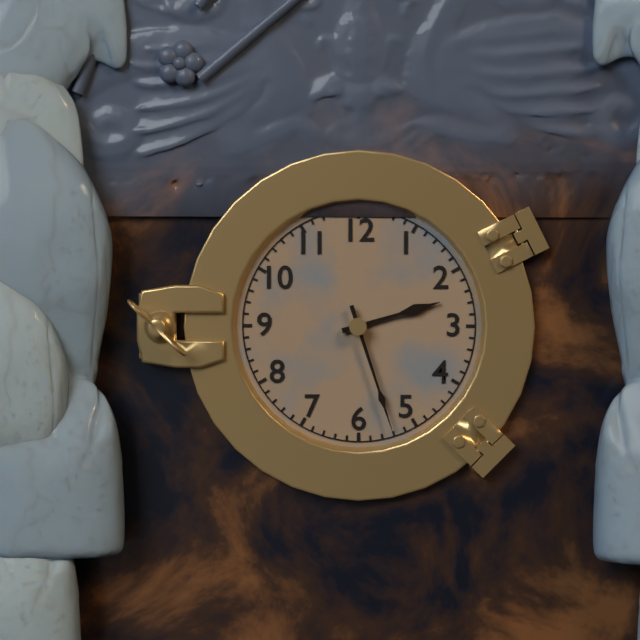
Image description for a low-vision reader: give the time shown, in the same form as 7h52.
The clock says 2h27
